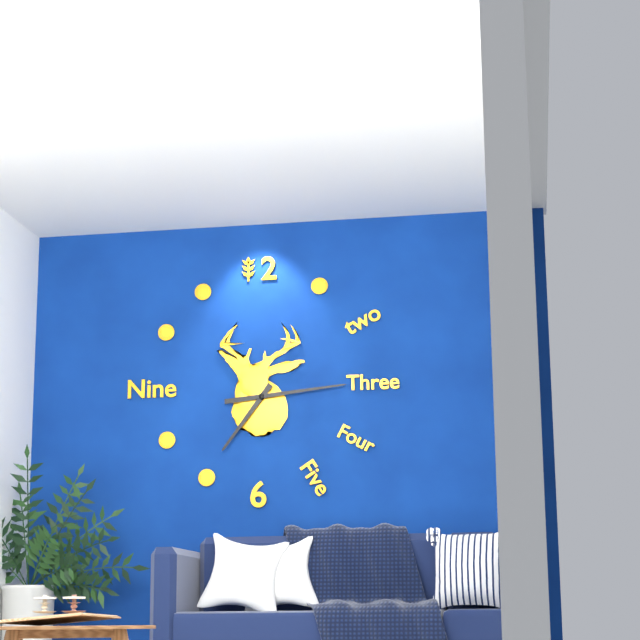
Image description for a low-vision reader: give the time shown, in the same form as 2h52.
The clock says 7h14
